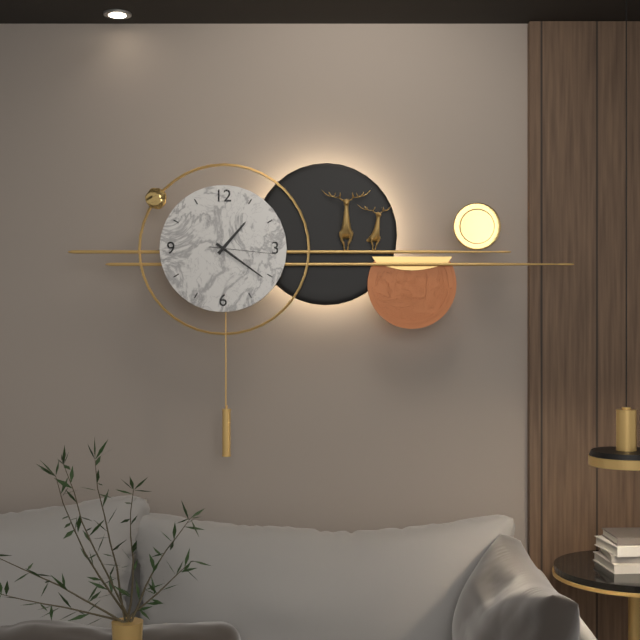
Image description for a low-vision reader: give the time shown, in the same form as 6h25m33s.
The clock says 1h21m16s
